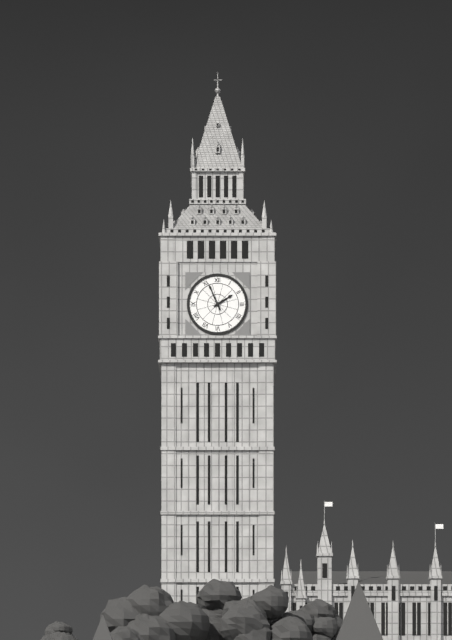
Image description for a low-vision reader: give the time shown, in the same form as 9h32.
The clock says 1h56
